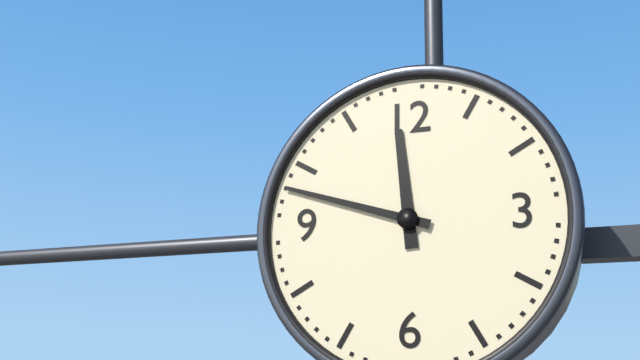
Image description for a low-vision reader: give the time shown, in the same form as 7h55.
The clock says 11h48
